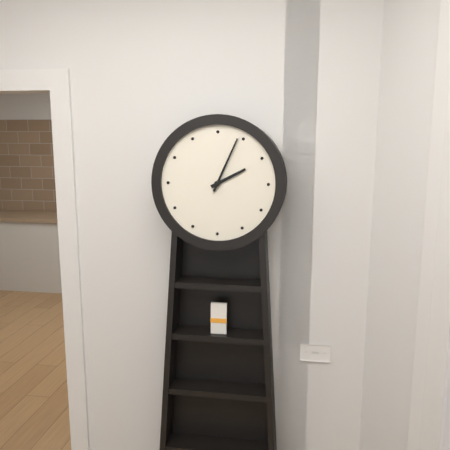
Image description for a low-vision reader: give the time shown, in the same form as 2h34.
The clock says 2h04
